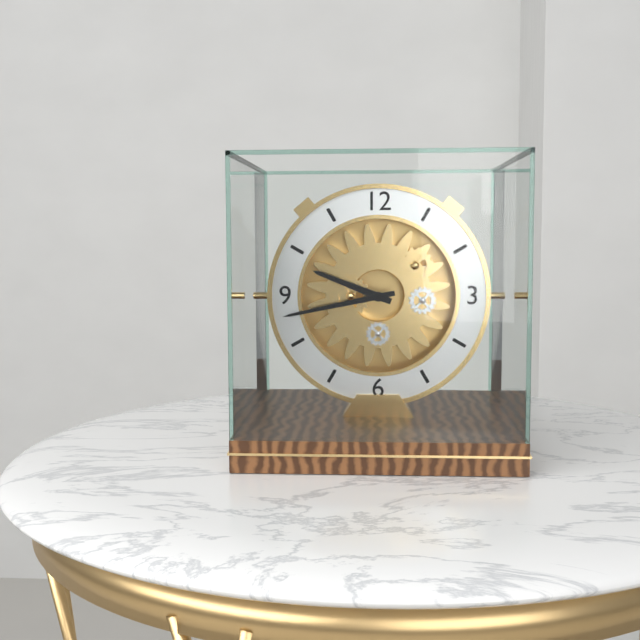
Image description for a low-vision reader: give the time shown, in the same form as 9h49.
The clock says 9h43
